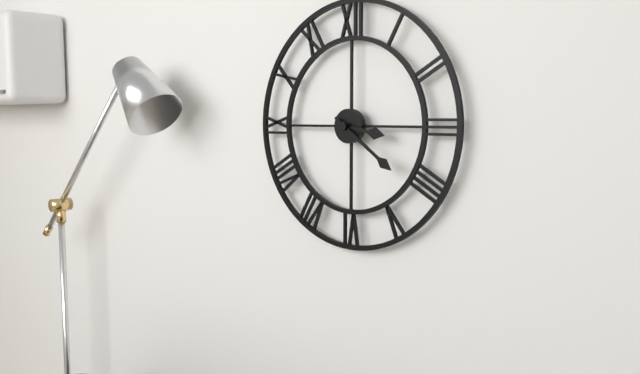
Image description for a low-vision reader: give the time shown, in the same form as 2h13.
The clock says 3h21
